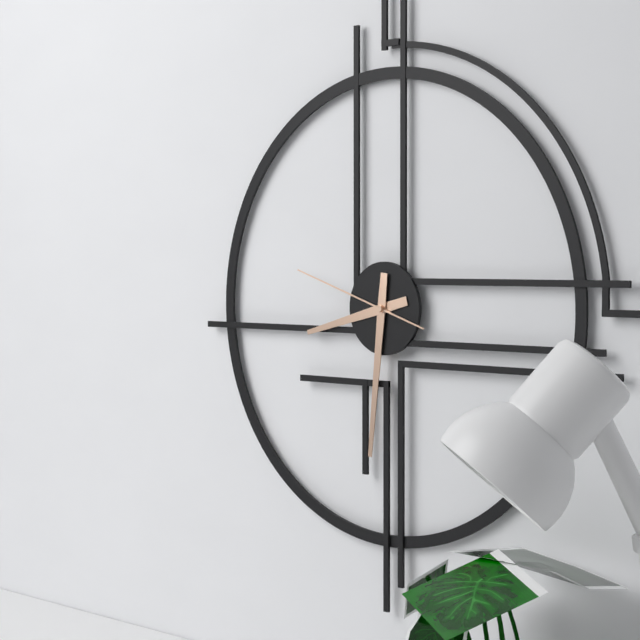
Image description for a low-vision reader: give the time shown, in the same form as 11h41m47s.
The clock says 8h31m48s
